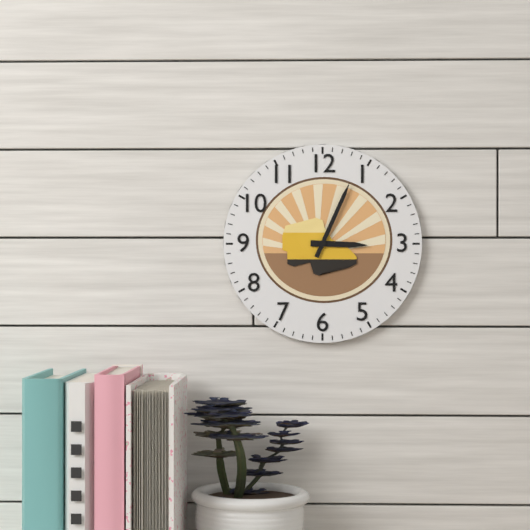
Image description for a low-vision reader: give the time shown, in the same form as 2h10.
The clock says 3h04
